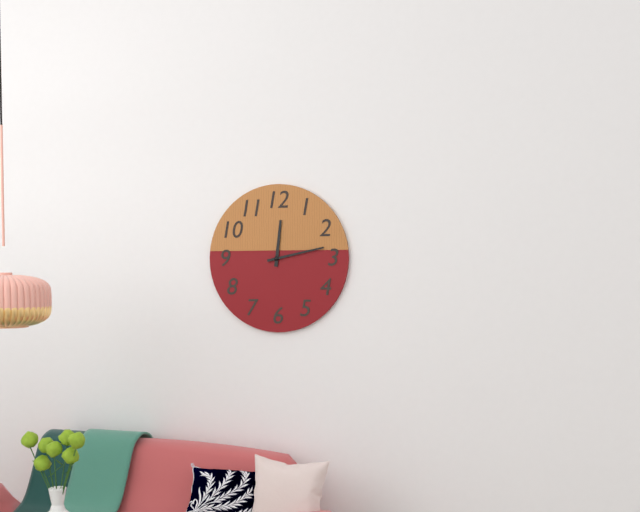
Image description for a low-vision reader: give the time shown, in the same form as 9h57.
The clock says 12h13
